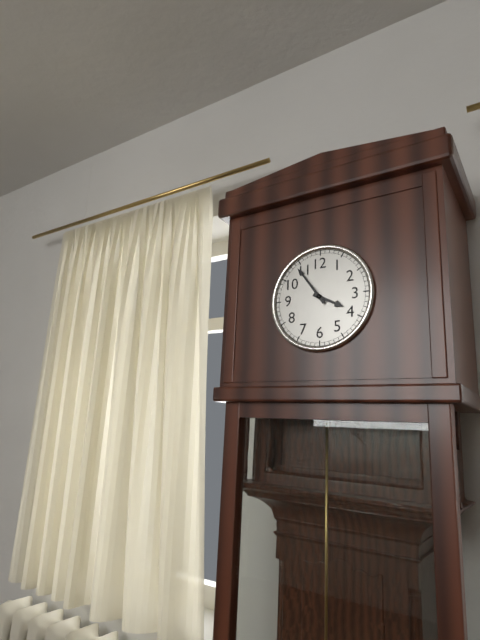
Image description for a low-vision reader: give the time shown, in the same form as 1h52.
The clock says 3h54
